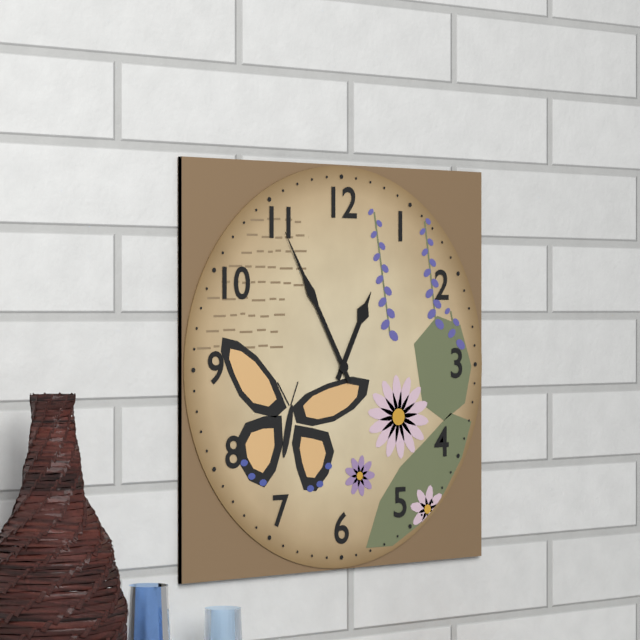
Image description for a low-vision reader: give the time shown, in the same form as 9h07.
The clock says 12h55
